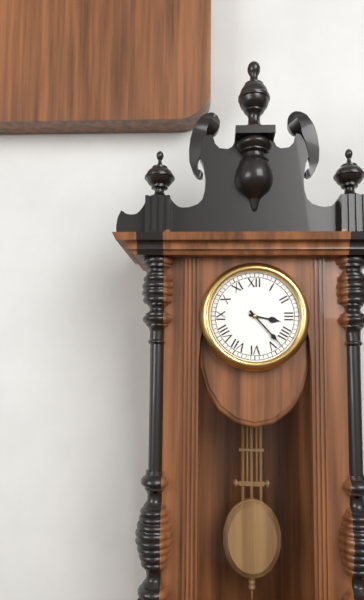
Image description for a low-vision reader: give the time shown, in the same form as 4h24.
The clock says 3h23
